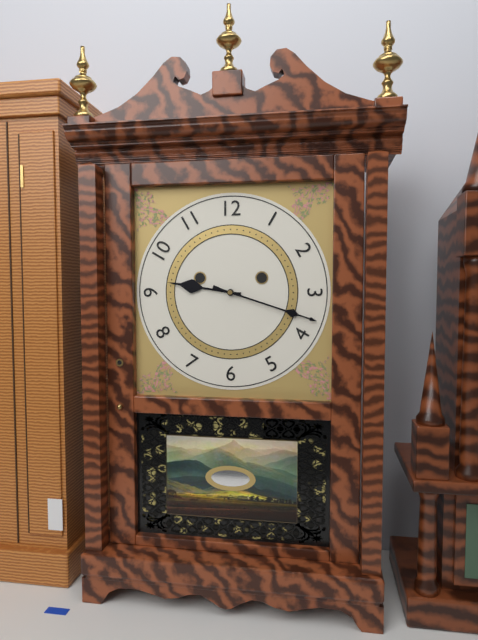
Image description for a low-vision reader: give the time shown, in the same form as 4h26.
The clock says 9h18
